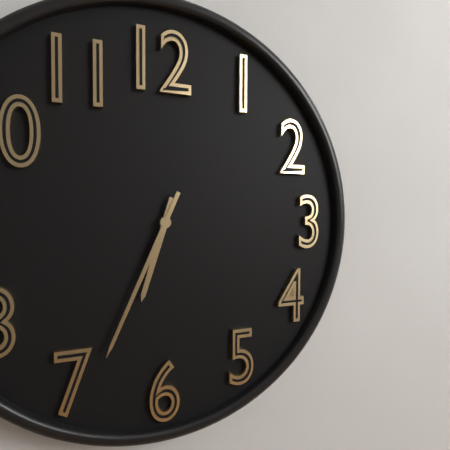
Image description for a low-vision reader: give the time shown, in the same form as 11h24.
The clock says 6h34
